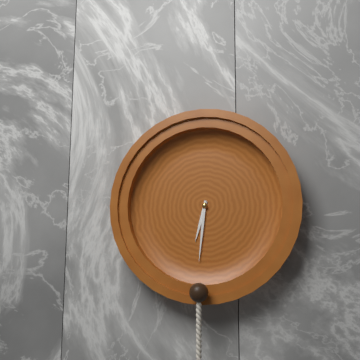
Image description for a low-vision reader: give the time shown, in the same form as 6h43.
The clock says 6h31
